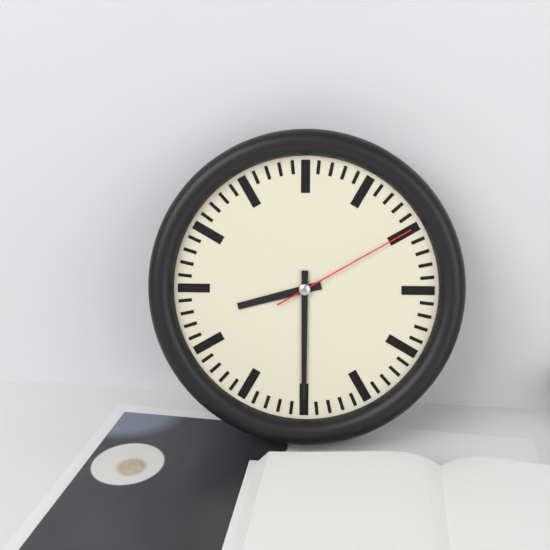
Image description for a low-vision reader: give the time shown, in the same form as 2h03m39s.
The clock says 8h30m10s
